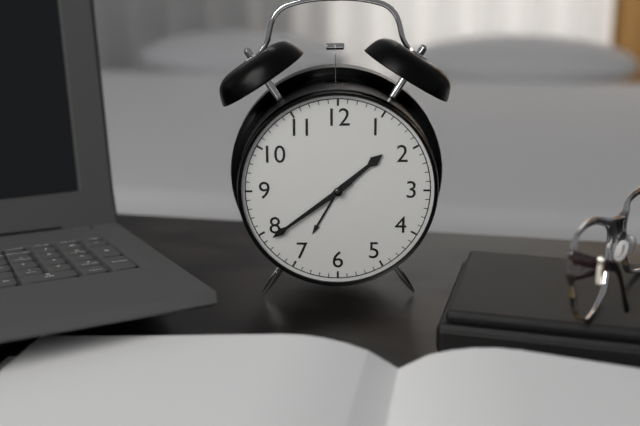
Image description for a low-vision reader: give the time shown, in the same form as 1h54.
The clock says 1h39
